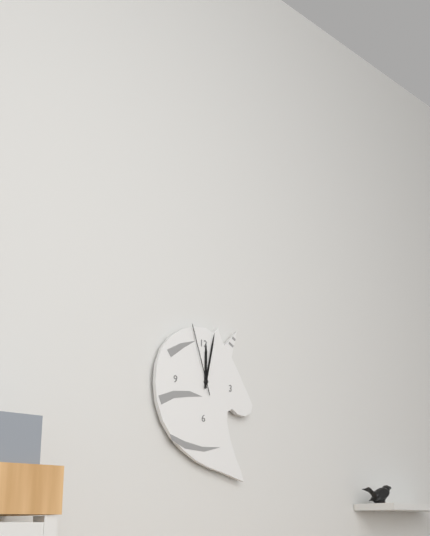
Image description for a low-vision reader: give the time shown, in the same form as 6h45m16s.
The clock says 12h02m57s
